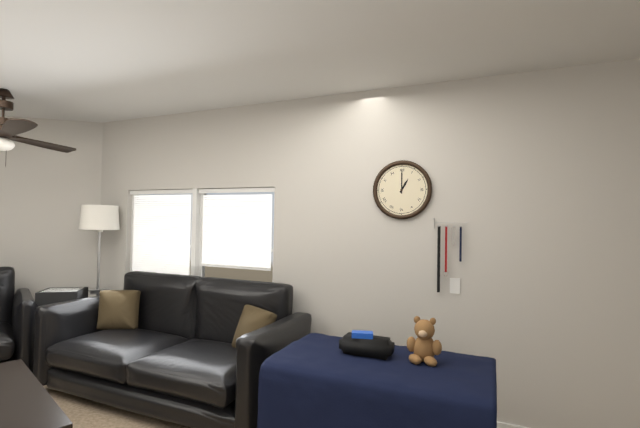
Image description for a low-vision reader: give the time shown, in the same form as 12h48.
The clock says 1h00
